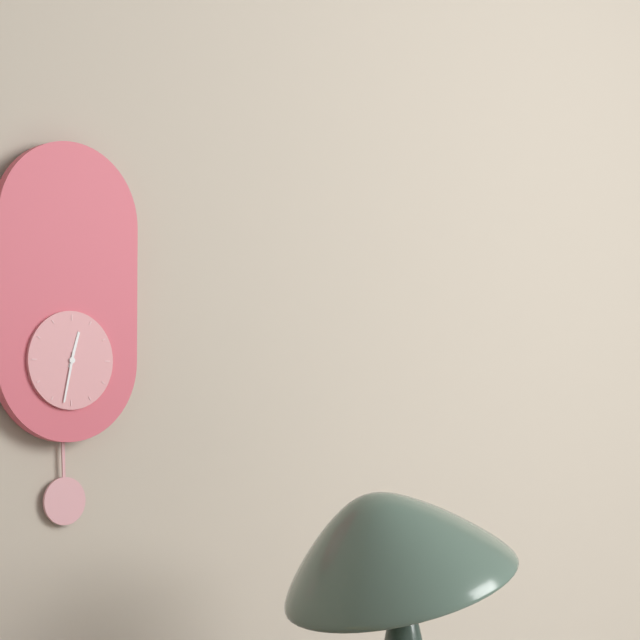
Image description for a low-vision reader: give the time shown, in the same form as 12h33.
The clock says 12h32
